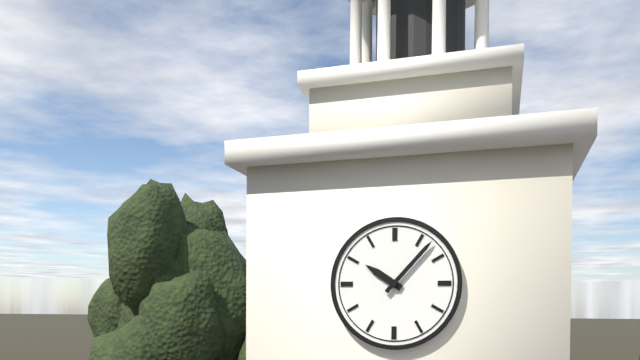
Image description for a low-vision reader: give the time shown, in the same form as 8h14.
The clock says 10h07
